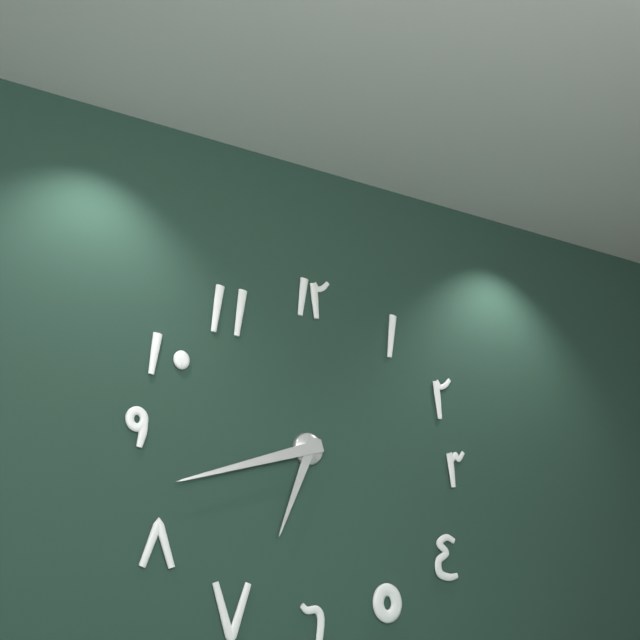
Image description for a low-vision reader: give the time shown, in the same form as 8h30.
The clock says 6h42
